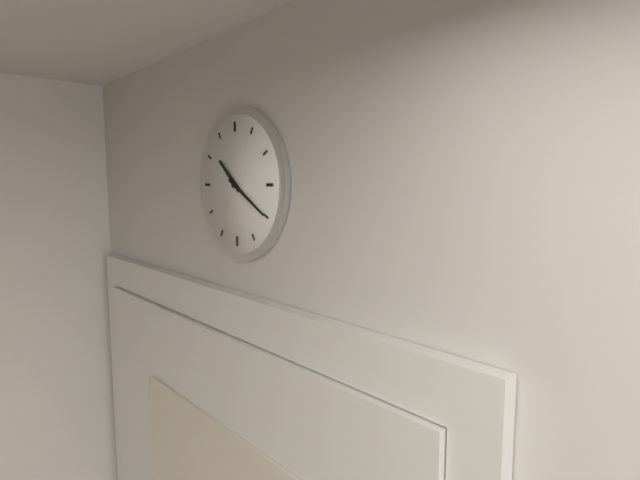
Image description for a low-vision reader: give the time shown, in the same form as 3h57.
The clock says 10h20
